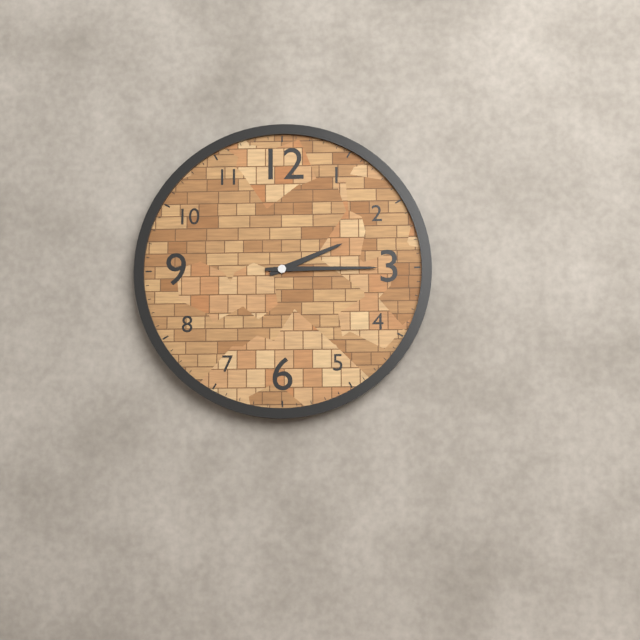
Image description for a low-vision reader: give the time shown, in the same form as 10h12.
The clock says 2h15
